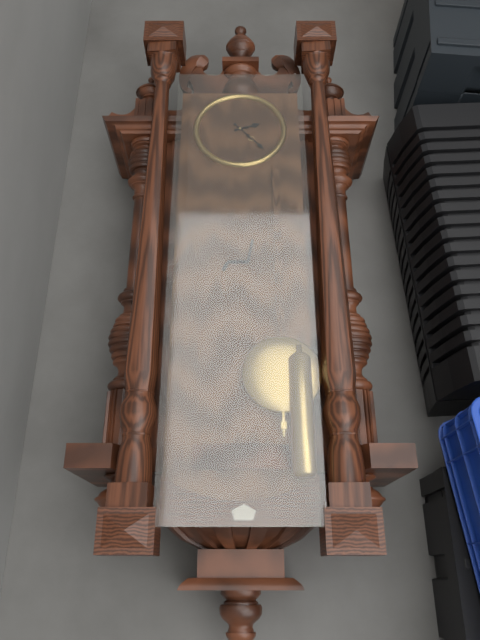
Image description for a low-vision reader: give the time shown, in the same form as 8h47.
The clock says 2h23
